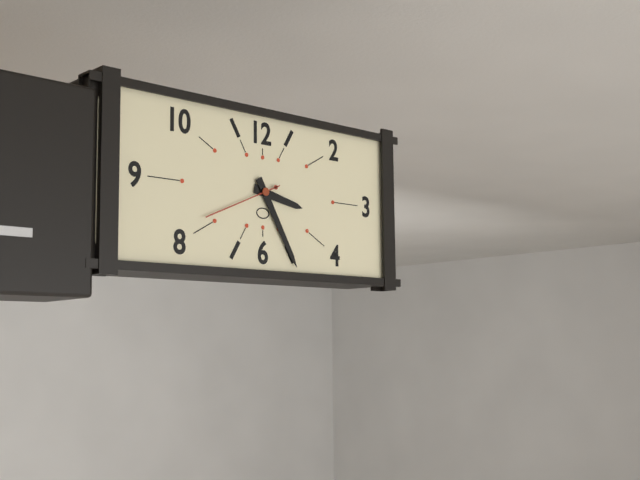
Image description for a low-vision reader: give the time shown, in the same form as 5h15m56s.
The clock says 3h25m41s
